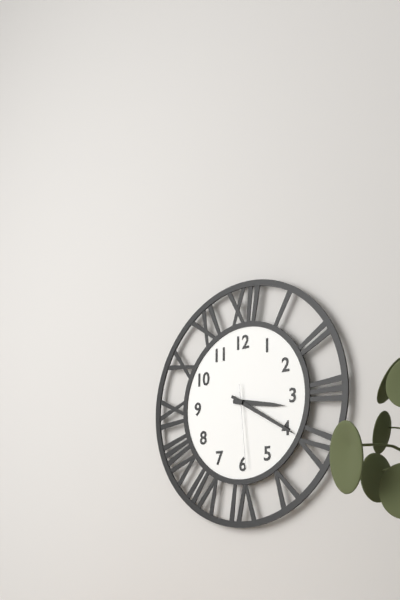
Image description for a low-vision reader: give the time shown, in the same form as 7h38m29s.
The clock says 3h20m29s
